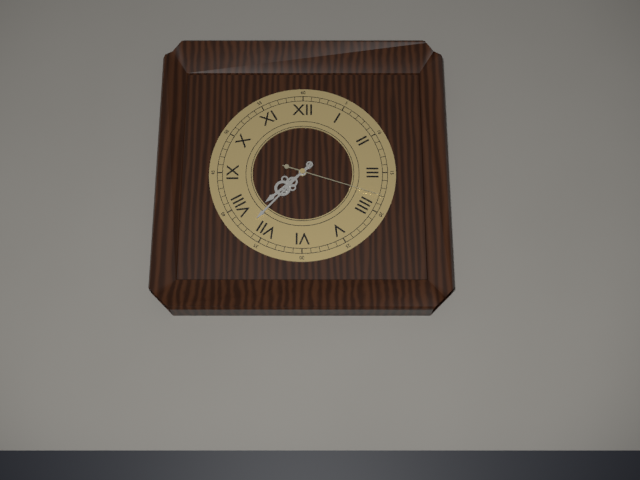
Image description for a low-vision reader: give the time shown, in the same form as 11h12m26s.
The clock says 7h37m18s
